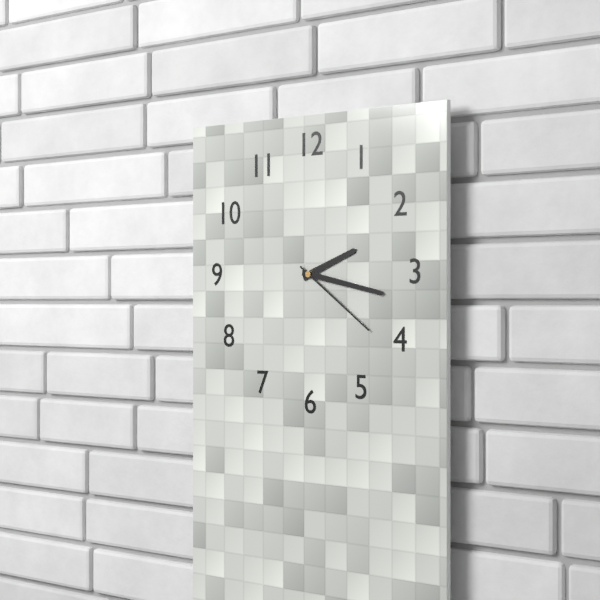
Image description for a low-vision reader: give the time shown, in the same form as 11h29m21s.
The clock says 2h17m21s
